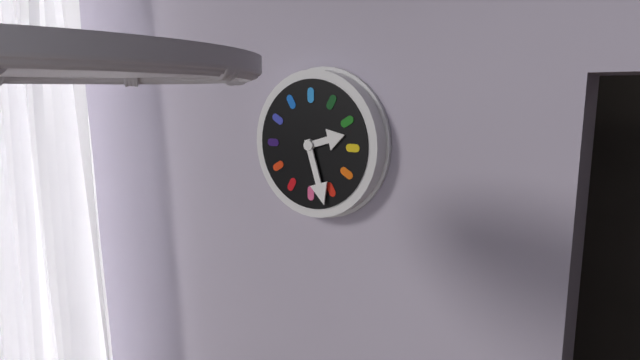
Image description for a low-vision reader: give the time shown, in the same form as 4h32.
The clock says 2h27
